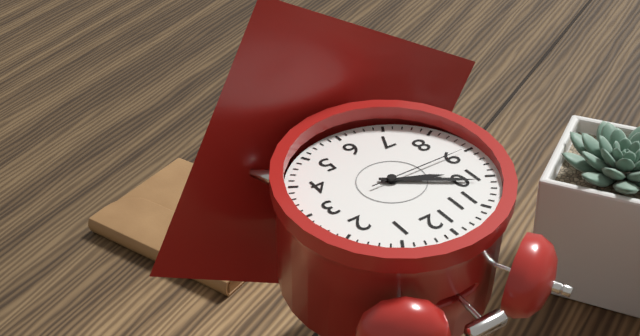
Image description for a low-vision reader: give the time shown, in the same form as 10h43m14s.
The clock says 9h51m45s
